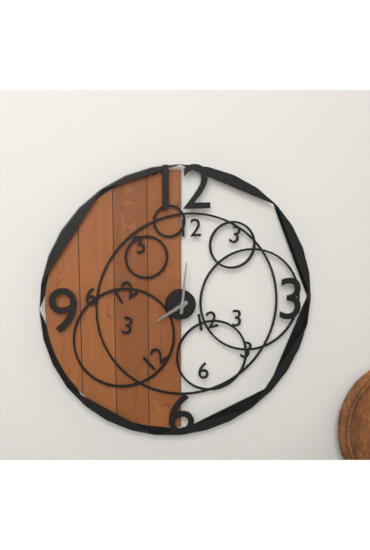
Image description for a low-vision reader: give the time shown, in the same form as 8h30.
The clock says 8h01
